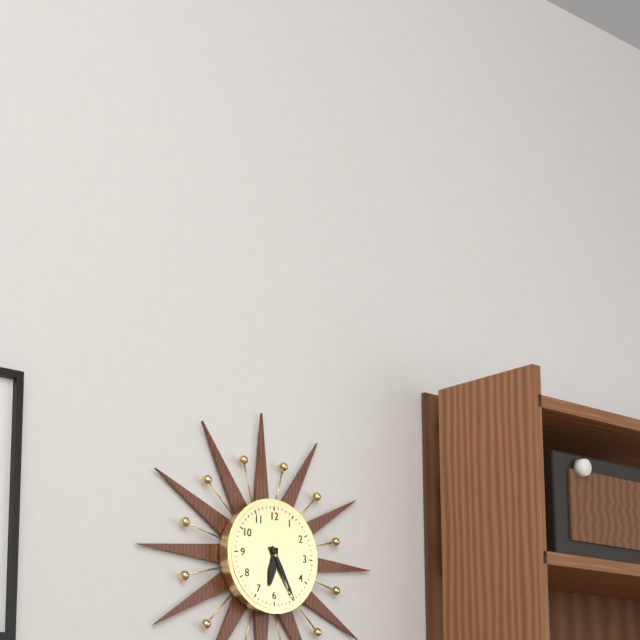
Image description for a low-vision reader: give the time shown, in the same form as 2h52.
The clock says 6h25
